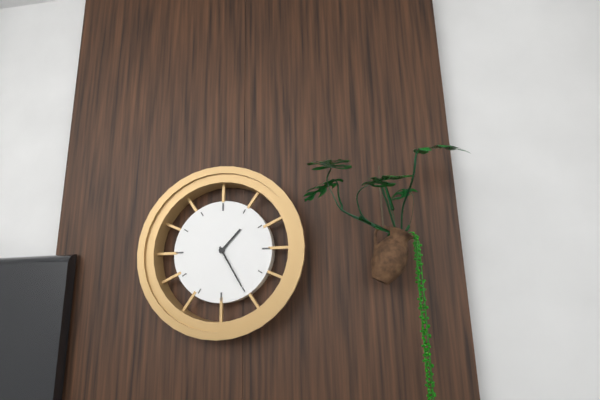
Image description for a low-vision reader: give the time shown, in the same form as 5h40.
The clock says 1h25
